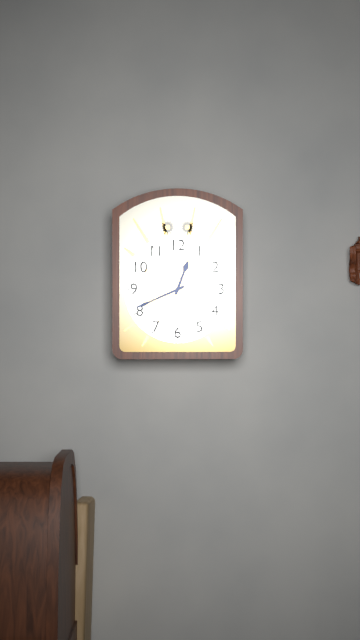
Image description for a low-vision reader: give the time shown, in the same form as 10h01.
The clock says 12h41
